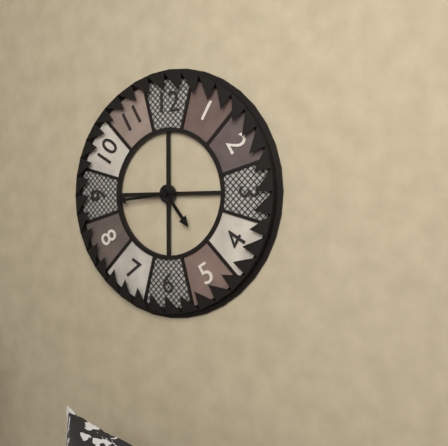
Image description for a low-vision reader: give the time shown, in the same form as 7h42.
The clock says 4h44
